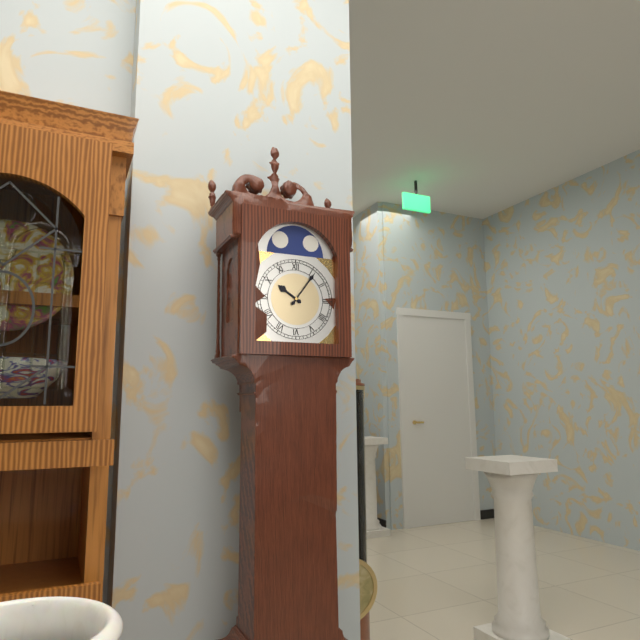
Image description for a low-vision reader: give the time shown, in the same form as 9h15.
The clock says 10h06
